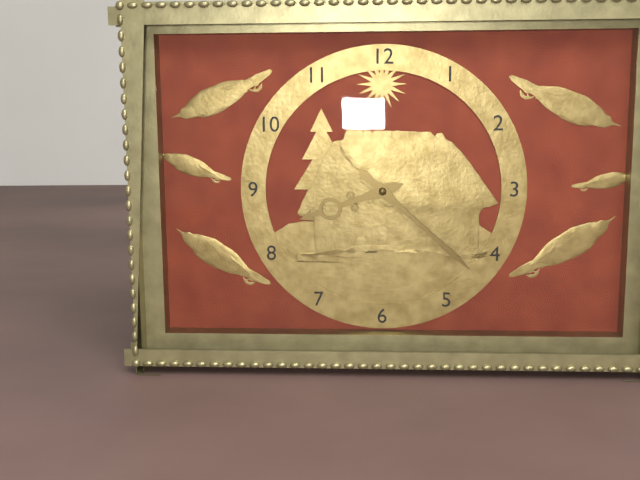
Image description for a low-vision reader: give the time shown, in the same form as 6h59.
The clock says 8h22
